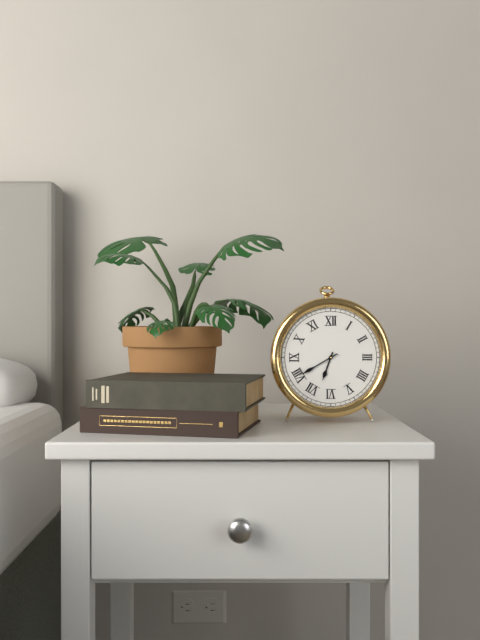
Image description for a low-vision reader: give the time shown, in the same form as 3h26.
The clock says 6h40
